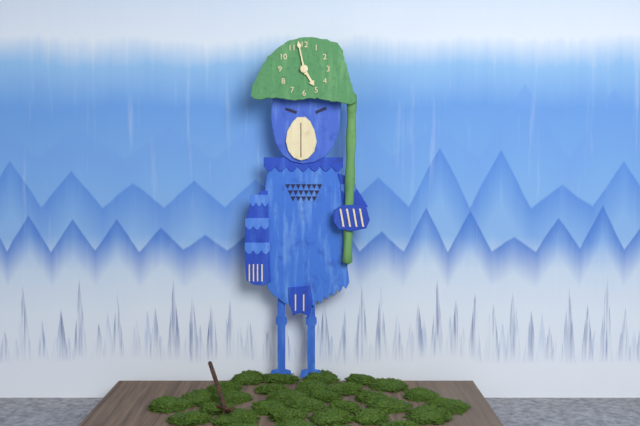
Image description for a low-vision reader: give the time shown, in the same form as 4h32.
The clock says 4h58
